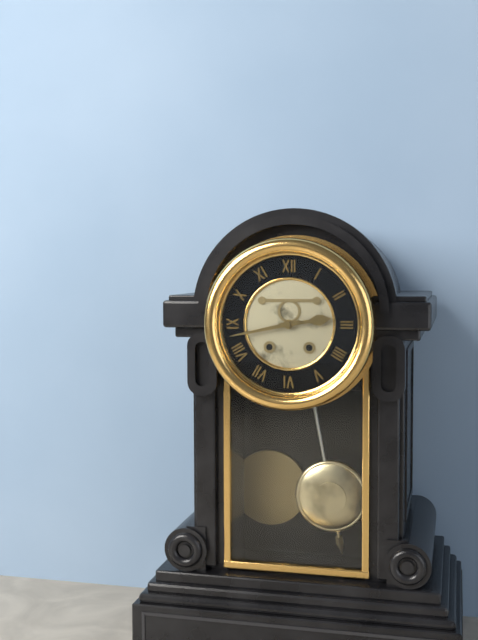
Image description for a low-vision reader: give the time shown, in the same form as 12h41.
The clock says 2h43
